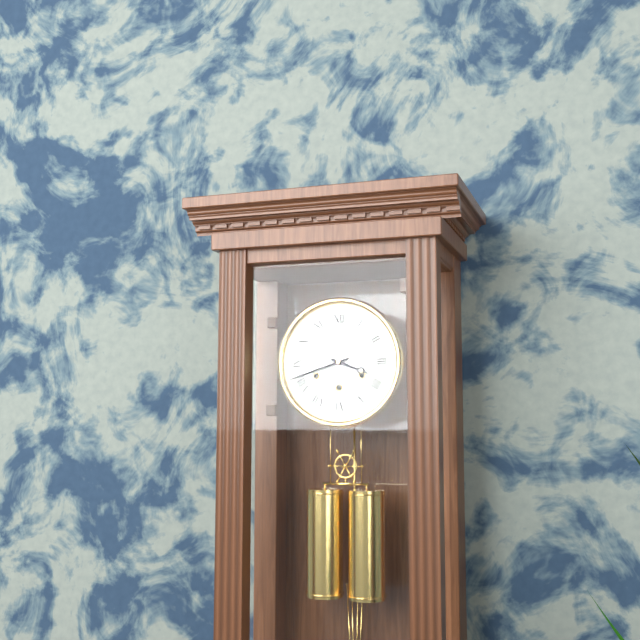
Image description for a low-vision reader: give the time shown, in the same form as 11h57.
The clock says 3h42
